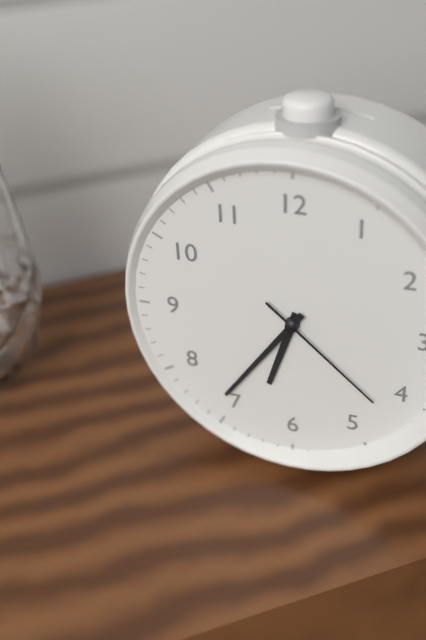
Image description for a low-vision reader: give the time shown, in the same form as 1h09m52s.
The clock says 6h36m22s
